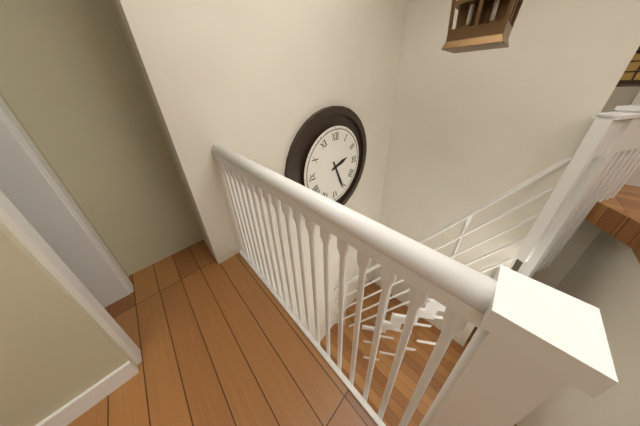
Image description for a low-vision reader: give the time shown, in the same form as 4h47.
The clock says 2h26
